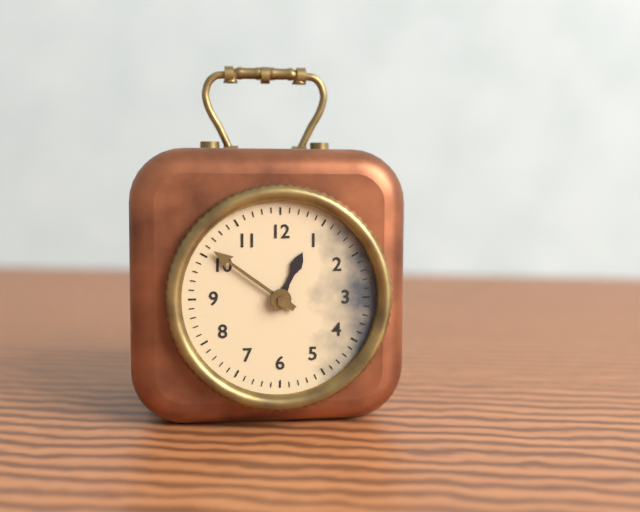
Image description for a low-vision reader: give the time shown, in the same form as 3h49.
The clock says 12h51
